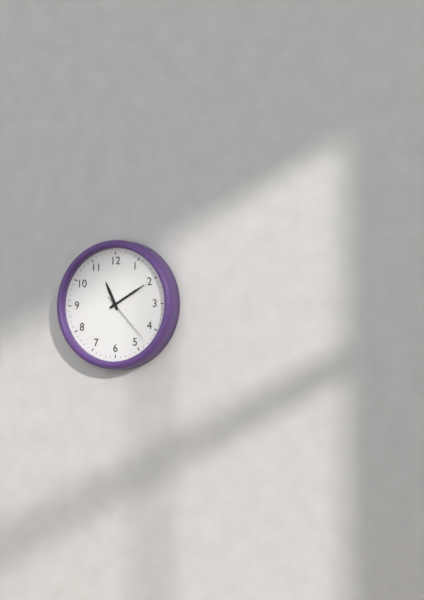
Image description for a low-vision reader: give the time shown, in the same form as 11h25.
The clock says 11h10
